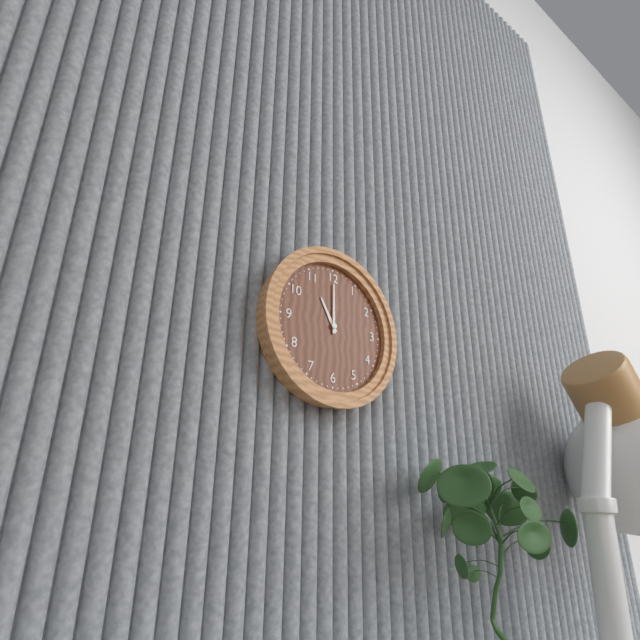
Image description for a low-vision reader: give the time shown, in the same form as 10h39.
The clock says 11h00
